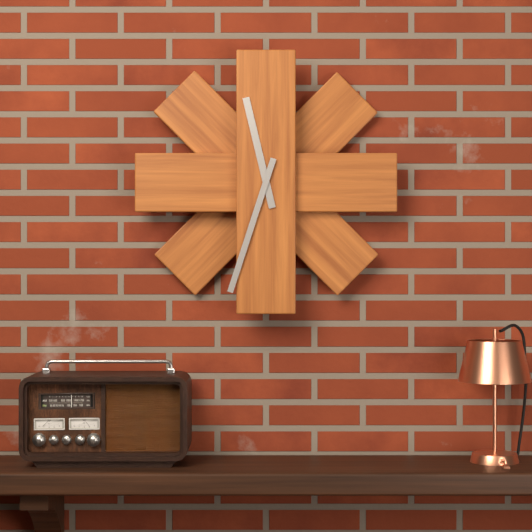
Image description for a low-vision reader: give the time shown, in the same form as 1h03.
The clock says 11h33
